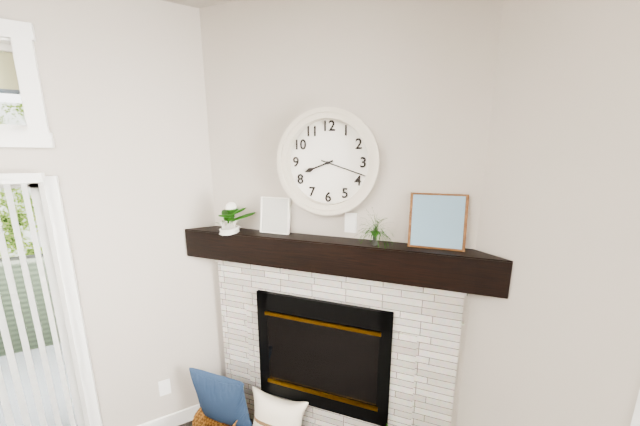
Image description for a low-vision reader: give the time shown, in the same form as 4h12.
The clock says 8h18
